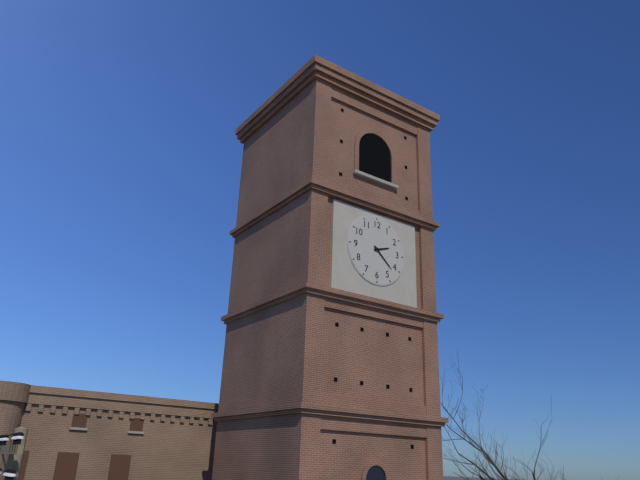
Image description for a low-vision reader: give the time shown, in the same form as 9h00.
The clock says 2h22
